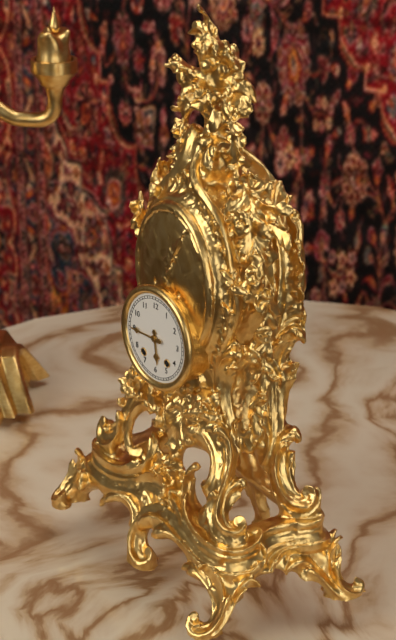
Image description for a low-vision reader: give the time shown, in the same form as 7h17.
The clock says 5h45
